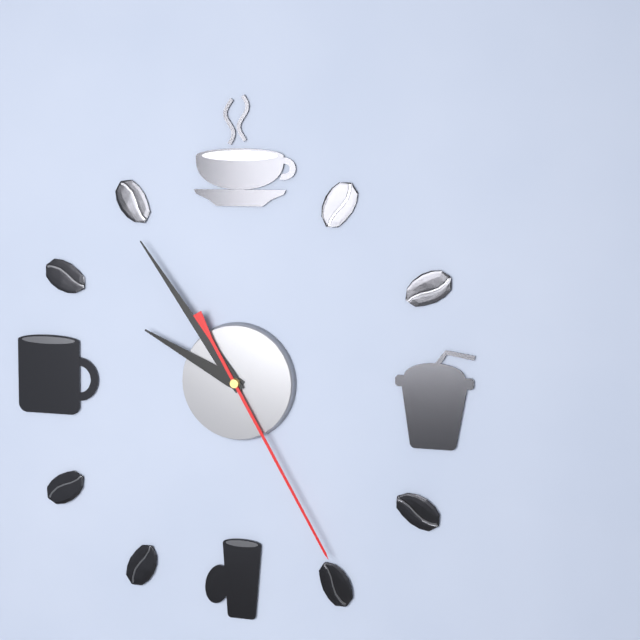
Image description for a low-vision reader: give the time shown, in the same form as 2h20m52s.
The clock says 9h54m25s
